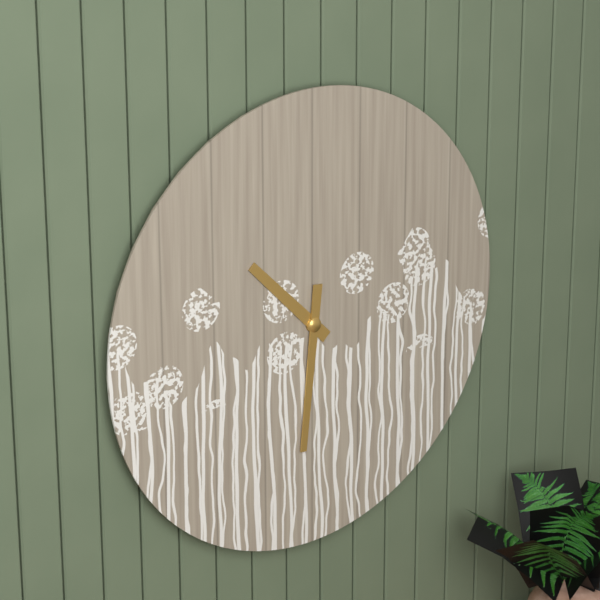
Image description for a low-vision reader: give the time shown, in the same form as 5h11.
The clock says 10h31
